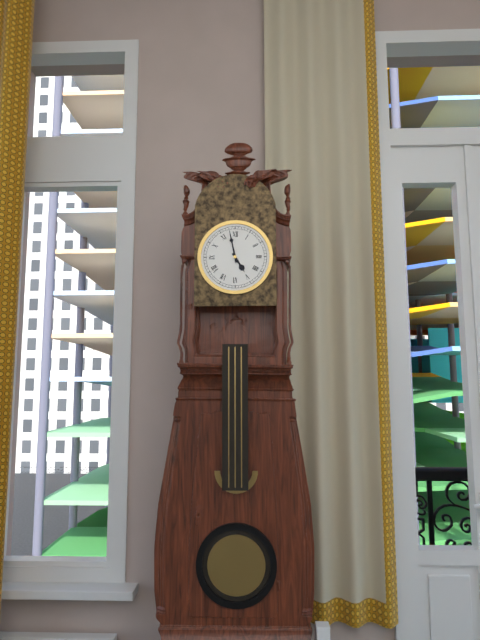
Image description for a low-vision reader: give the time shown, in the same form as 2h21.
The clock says 4h58
